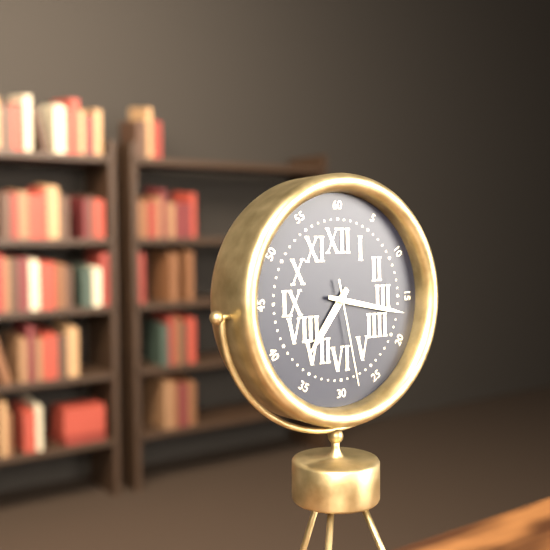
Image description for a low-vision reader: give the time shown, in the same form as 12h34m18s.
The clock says 7h17m28s
